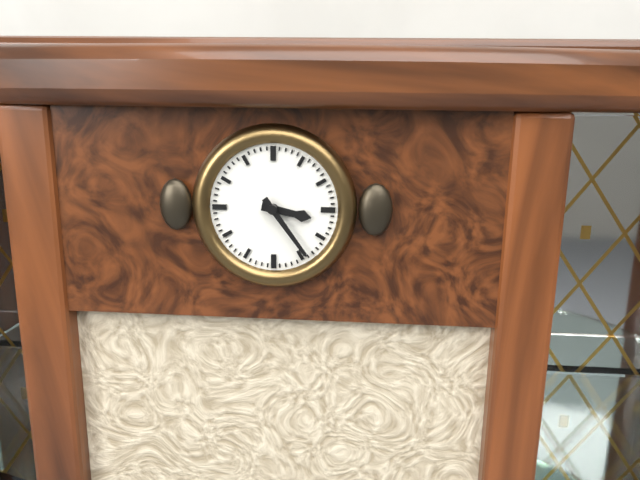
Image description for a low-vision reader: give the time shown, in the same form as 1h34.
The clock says 3h24
